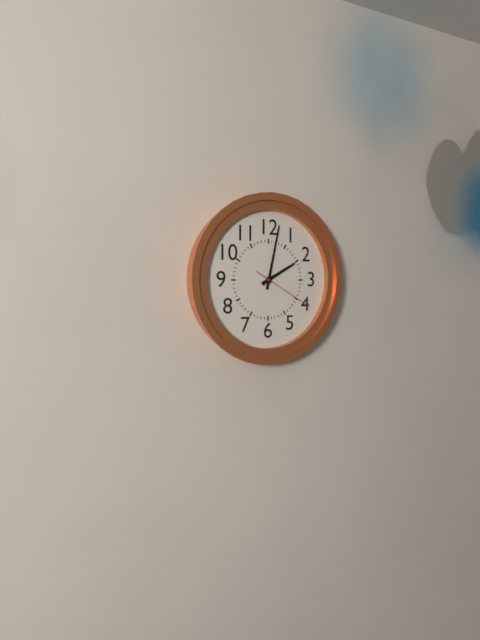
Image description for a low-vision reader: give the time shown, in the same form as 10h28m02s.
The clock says 2h02m20s
